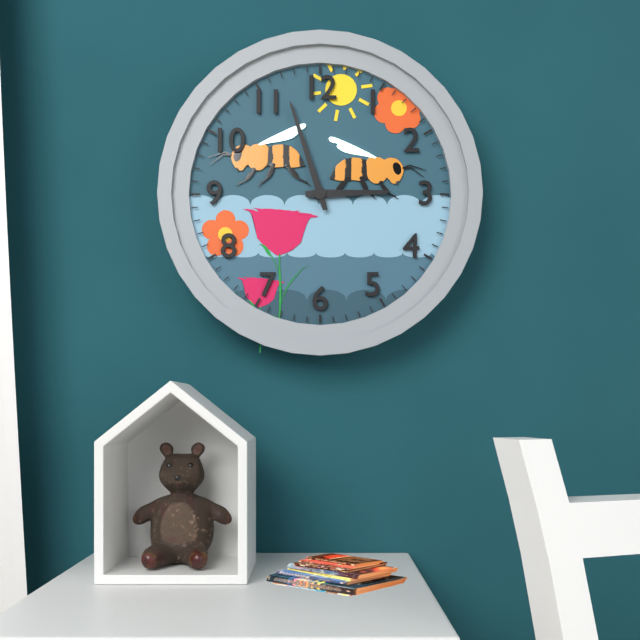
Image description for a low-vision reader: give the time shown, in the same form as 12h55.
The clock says 2h57
